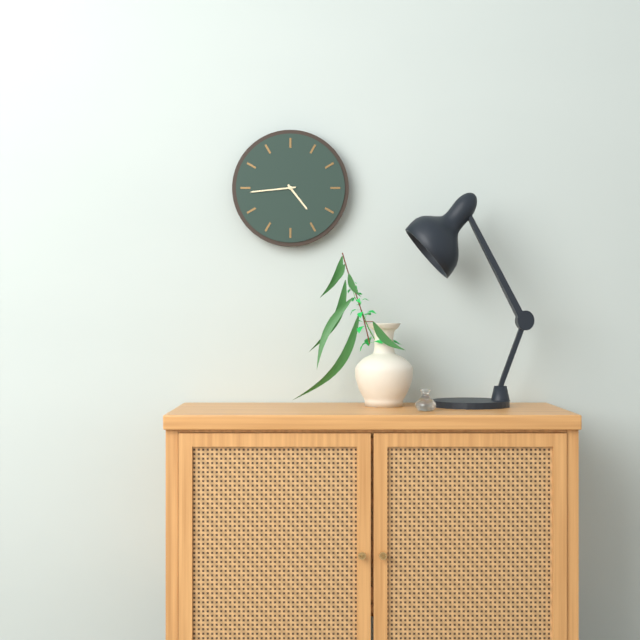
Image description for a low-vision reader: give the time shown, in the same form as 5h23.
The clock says 4h44
